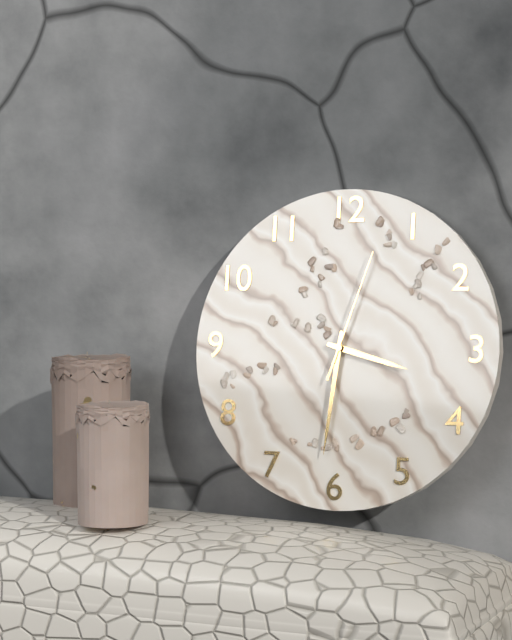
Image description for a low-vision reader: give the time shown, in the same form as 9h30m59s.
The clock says 3h31m03s
